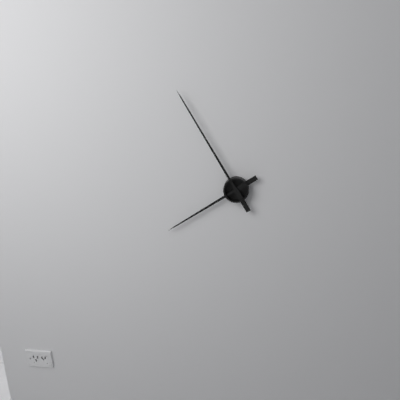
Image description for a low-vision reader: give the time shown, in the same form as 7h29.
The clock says 7h55
